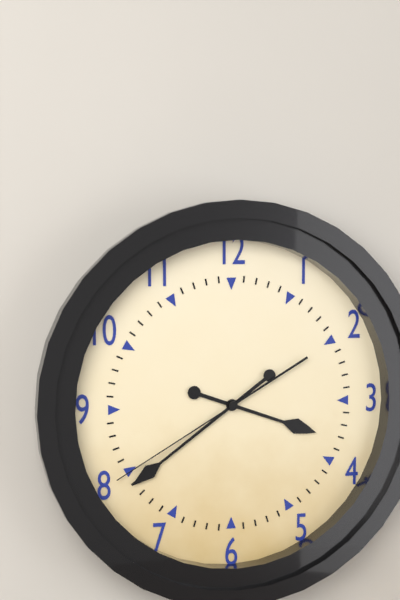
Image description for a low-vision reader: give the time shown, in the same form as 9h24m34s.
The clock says 3h39m40s
